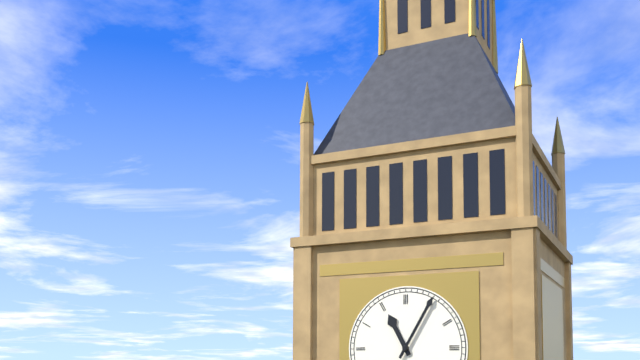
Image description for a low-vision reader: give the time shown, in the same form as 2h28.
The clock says 11h05
